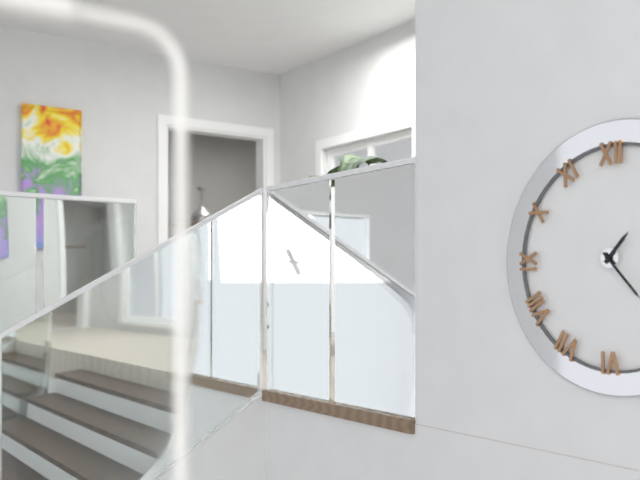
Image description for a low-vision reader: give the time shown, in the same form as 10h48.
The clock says 1h23
